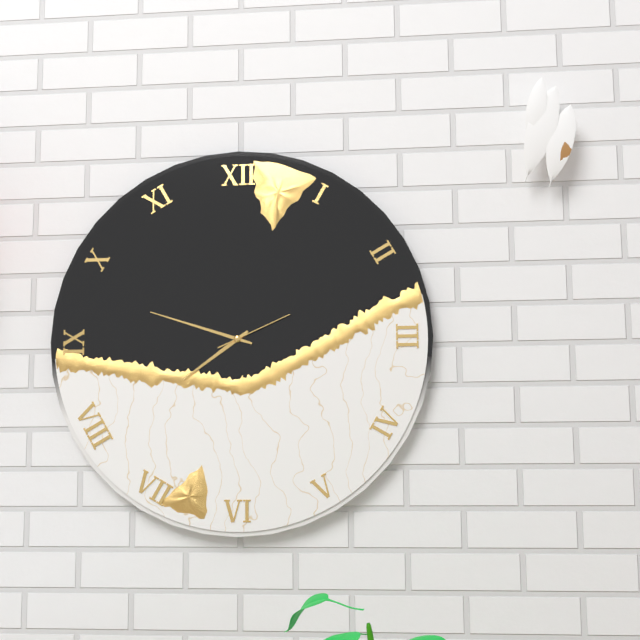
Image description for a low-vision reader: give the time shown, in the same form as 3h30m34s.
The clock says 7h48m11s
